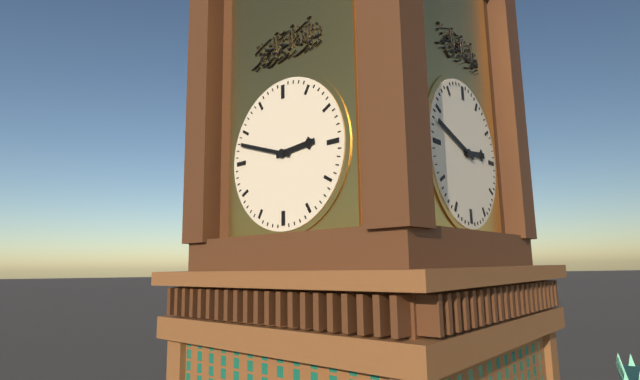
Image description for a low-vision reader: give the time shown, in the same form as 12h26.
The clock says 2h48
